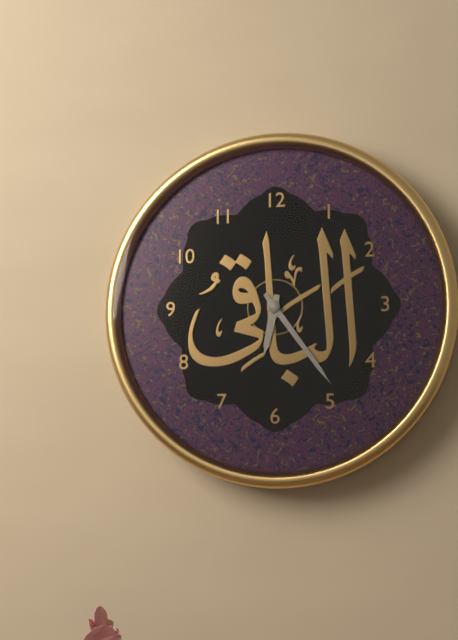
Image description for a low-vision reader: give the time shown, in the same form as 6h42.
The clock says 6h24
